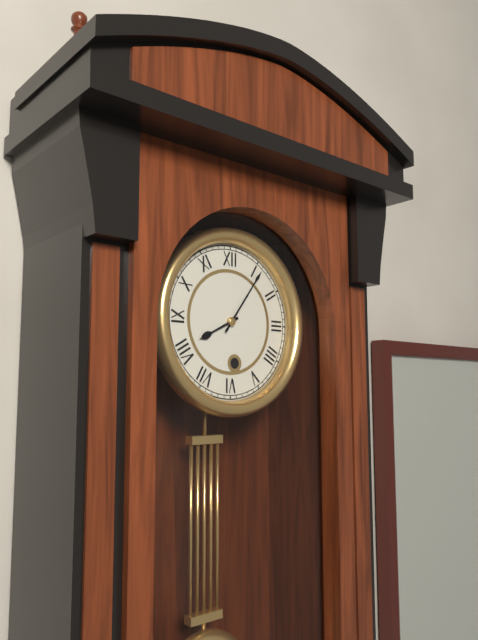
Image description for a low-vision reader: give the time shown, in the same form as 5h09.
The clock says 8h06
